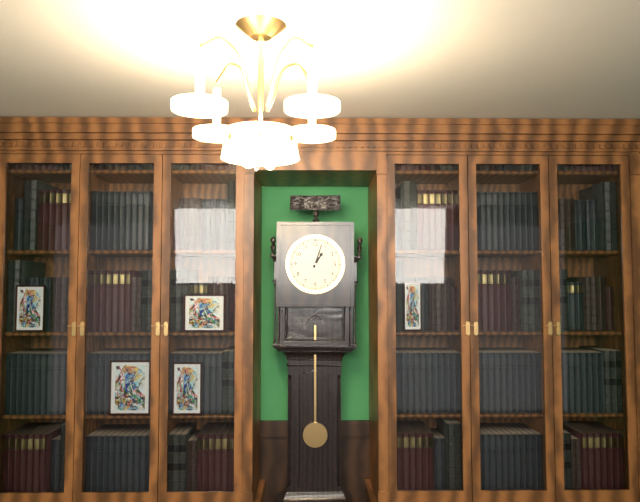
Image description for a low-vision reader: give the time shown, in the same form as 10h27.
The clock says 1h03
